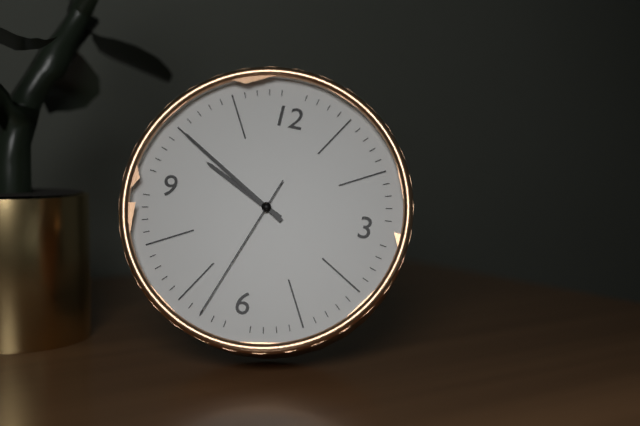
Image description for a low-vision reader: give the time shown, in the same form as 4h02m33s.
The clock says 9h50m33s
